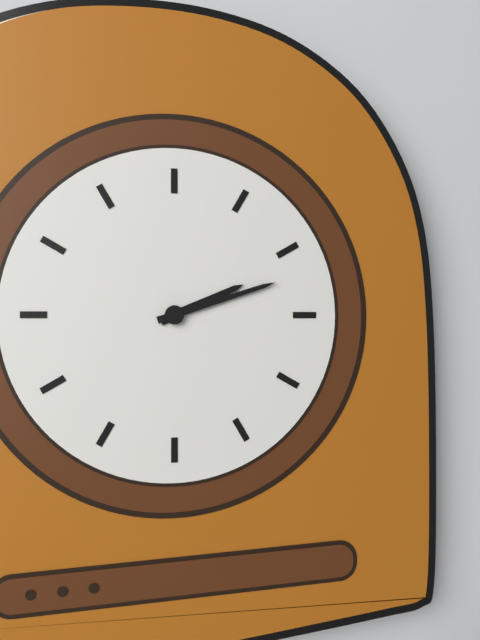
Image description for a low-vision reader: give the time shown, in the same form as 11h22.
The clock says 2h12
